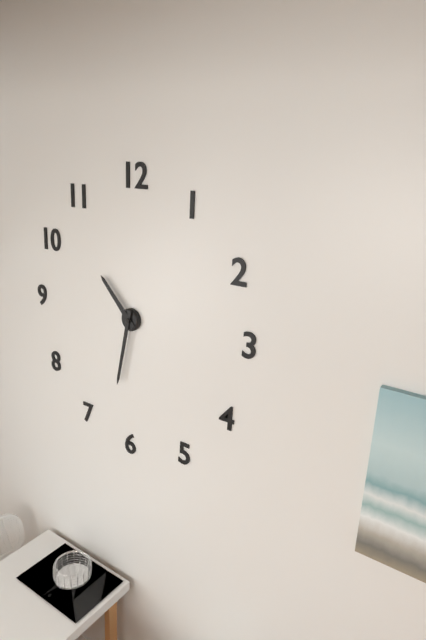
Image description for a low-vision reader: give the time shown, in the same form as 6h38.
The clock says 10h32
